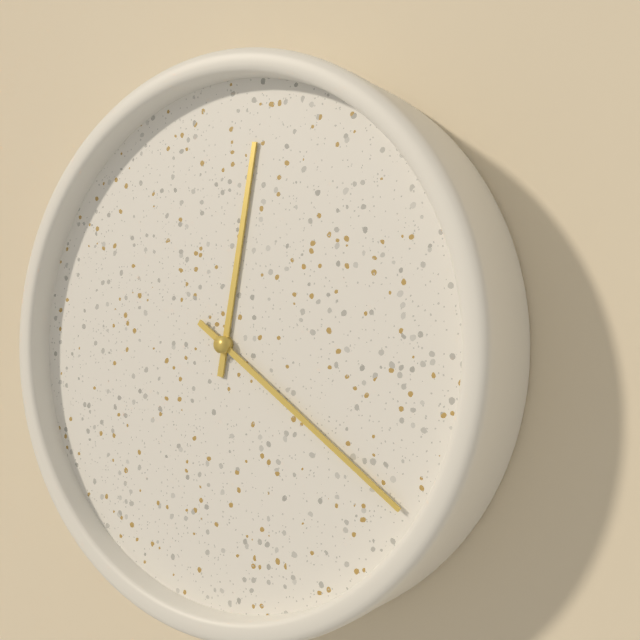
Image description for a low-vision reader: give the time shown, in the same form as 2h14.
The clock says 12h21
